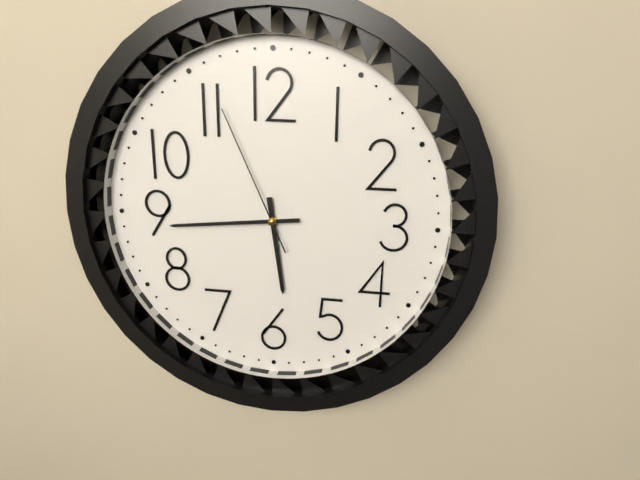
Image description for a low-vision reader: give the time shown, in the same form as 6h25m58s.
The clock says 5h44m56s
